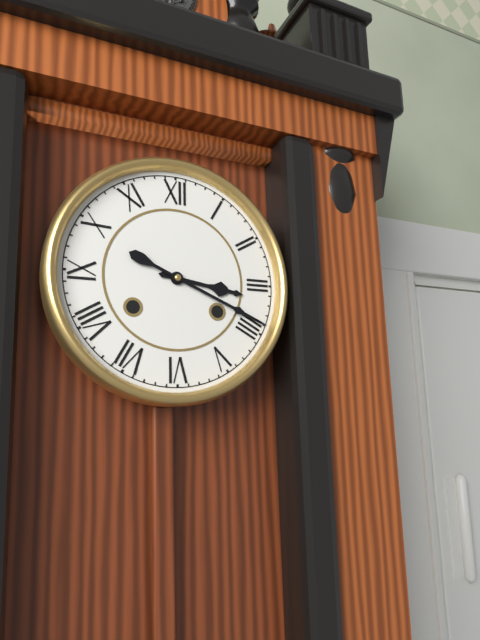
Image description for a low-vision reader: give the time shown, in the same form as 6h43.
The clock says 3h19
